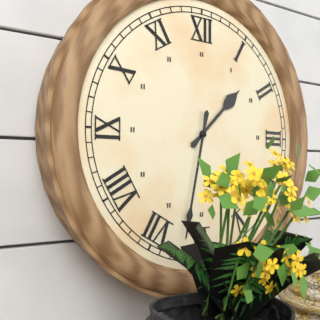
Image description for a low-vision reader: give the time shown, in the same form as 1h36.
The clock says 1h32
